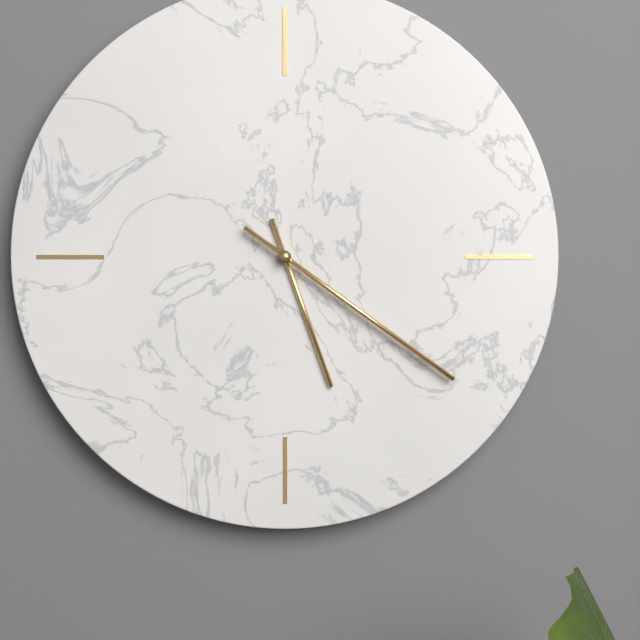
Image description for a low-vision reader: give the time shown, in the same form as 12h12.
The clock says 5h21
